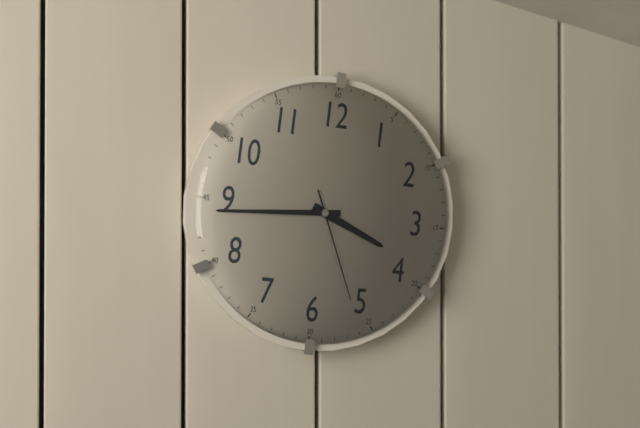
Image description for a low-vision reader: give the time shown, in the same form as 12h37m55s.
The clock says 3h44m26s
